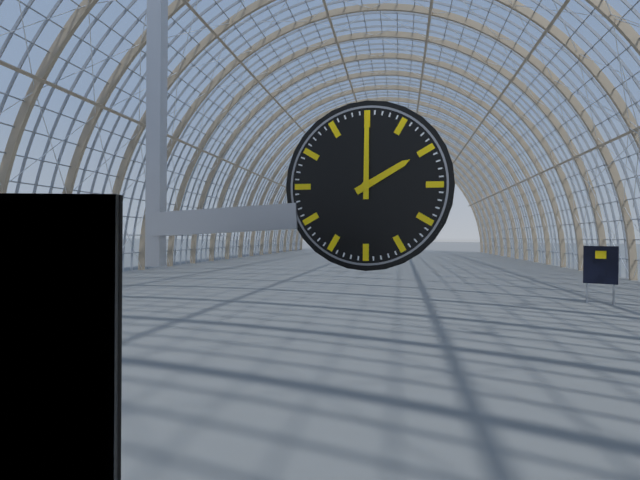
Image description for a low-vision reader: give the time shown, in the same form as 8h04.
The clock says 2h00
